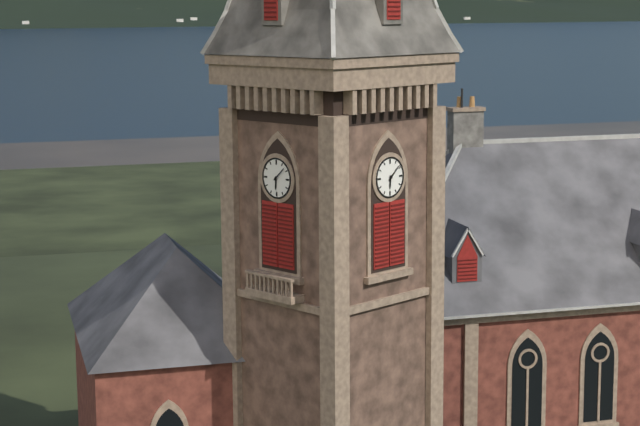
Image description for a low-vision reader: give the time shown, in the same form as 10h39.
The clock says 6h08
